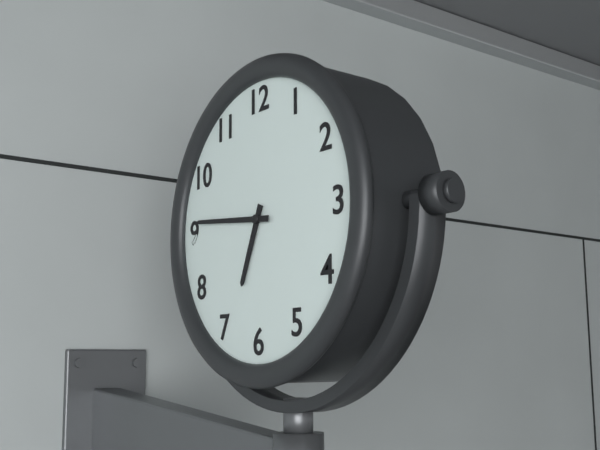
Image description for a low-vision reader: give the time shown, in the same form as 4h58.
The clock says 6h46
